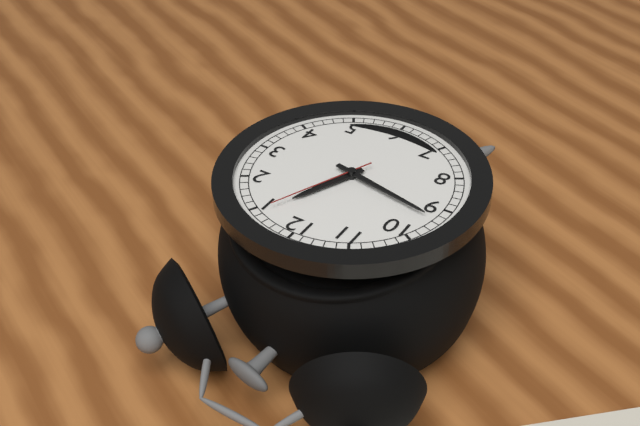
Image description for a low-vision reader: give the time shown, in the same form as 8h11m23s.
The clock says 12h47m04s
